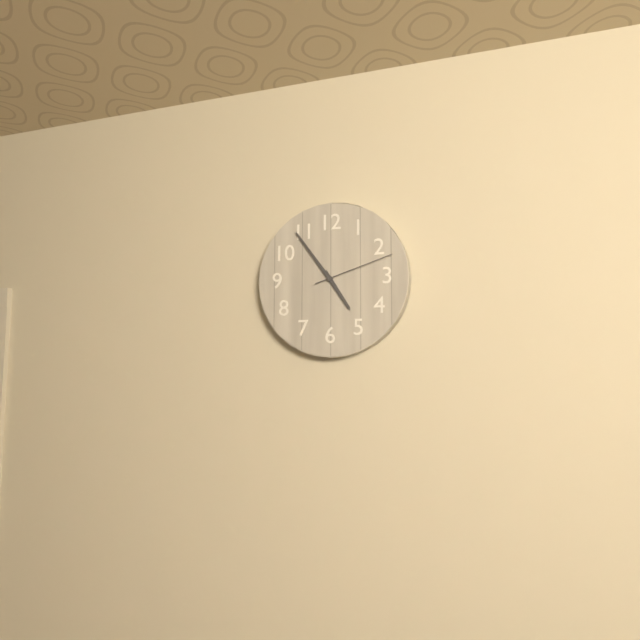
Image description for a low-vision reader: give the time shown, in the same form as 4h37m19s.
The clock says 4h54m12s
